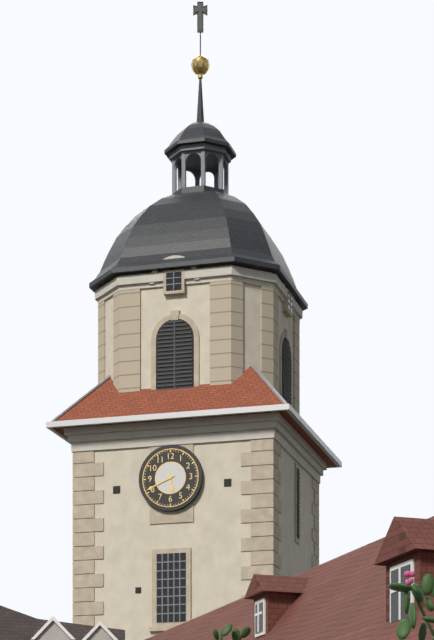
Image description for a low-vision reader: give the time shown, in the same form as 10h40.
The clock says 5h41
